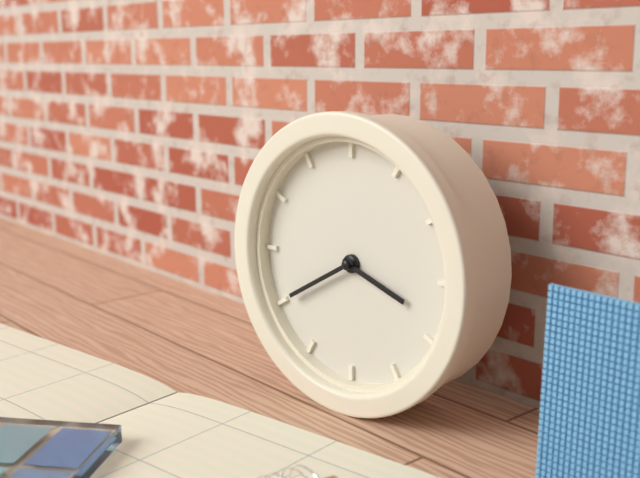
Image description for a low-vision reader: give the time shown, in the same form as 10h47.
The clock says 3h40
